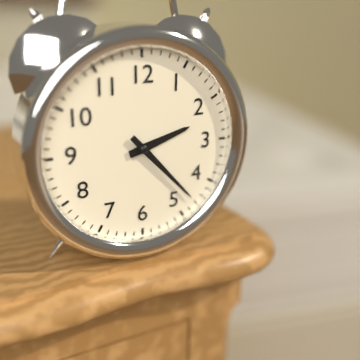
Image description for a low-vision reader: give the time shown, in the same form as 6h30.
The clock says 2h23
